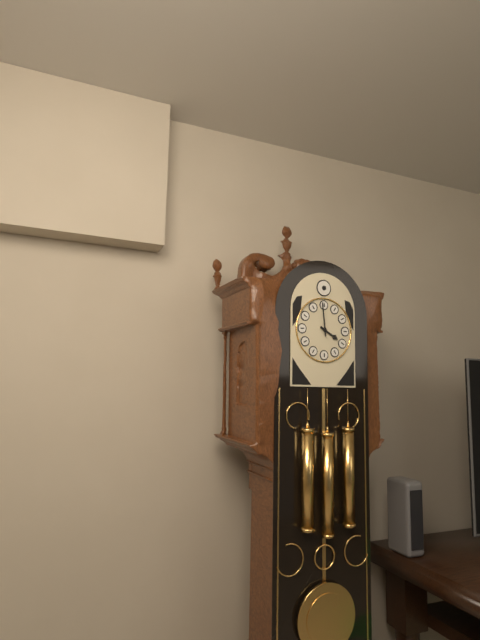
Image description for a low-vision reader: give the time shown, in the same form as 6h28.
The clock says 3h59
